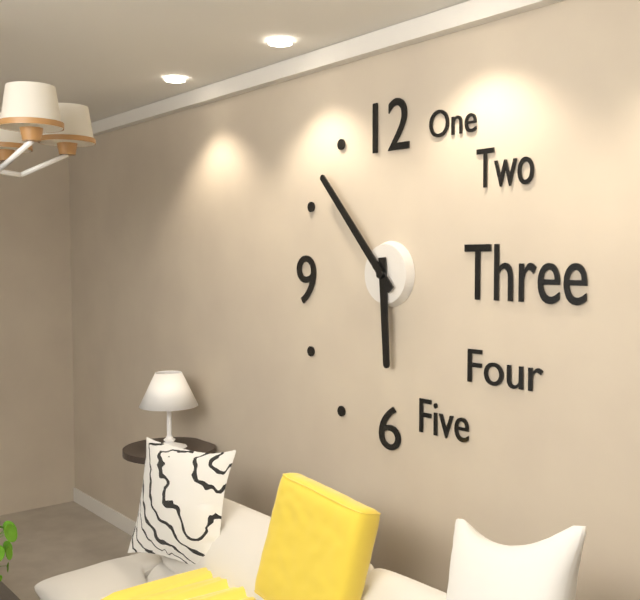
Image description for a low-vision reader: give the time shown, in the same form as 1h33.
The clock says 5h53
